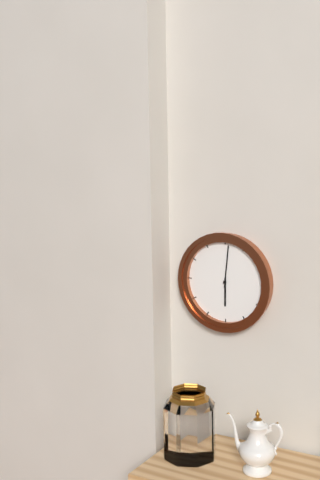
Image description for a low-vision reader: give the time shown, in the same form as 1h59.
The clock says 6h01
